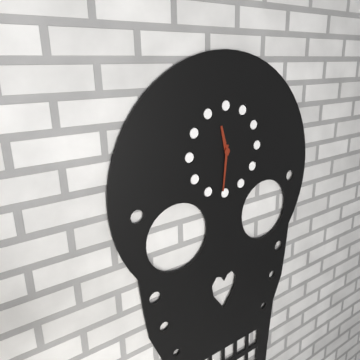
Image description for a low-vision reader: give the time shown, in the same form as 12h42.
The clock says 11h31
